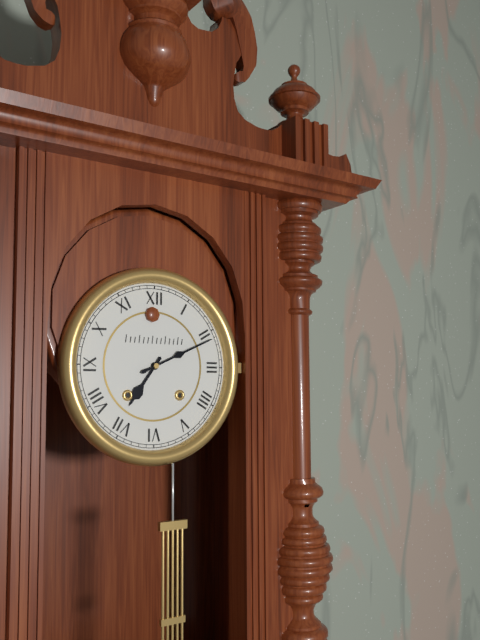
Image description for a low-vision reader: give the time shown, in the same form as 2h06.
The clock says 7h11
